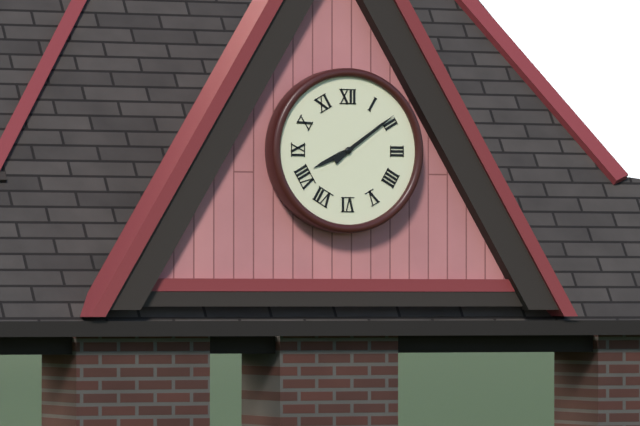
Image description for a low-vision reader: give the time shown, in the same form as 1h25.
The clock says 8h09
